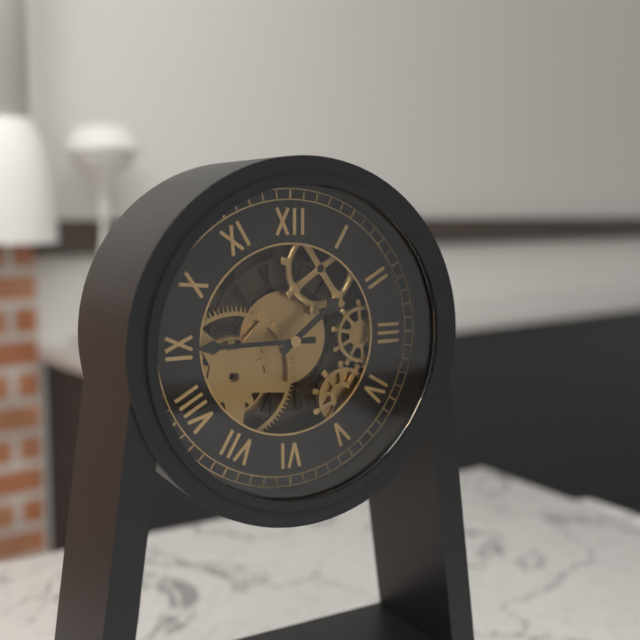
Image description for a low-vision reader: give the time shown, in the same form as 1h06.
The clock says 1h45
